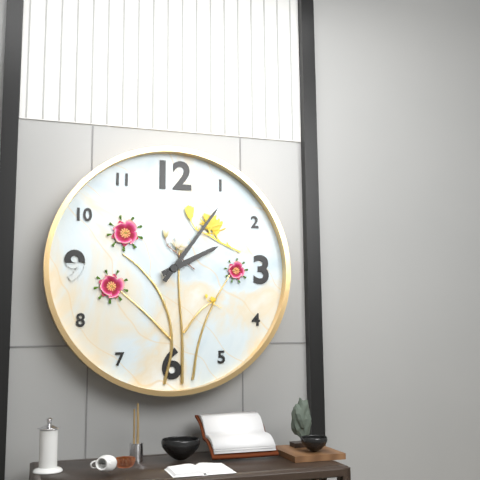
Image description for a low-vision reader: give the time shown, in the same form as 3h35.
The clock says 2h06
